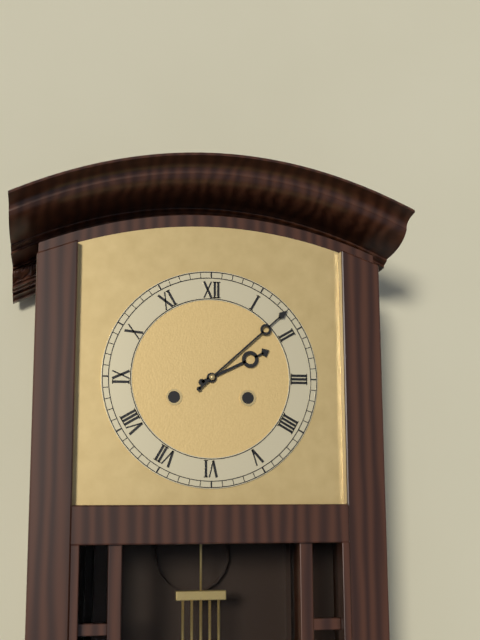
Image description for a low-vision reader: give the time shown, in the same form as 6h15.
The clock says 2h08
